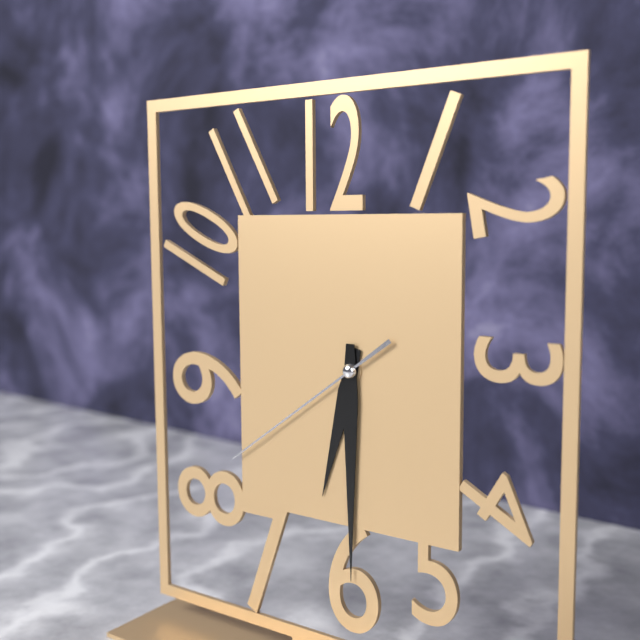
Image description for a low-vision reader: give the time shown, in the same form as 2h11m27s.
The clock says 6h30m39s
